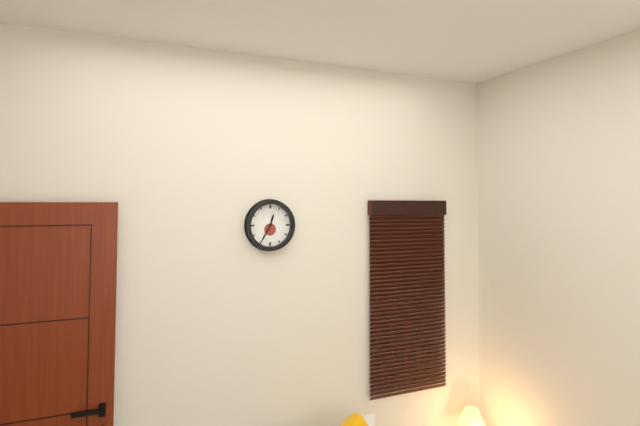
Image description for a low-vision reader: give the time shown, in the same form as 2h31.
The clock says 12h35
